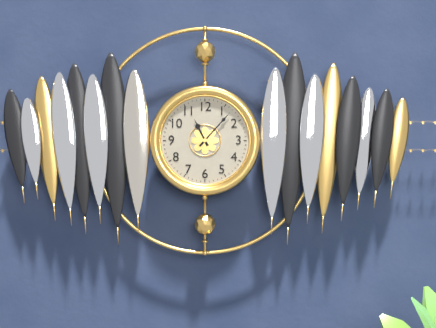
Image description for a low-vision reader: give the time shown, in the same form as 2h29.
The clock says 11h07
